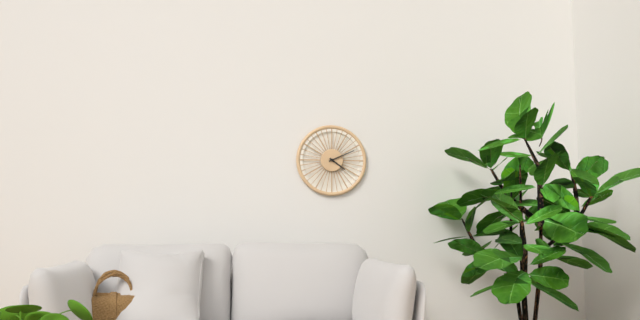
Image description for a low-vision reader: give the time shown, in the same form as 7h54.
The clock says 4h11
